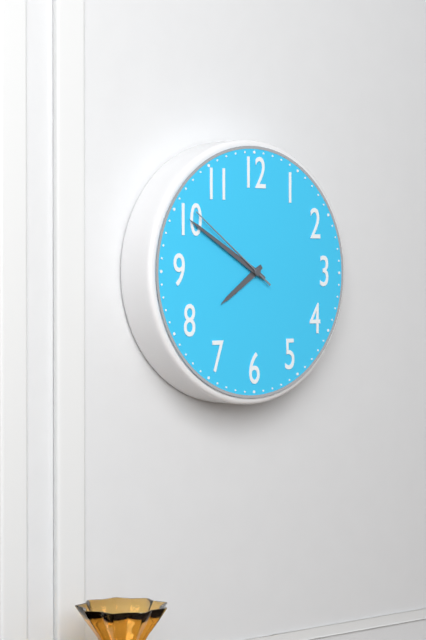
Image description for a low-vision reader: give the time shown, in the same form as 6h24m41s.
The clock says 7h50m51s
